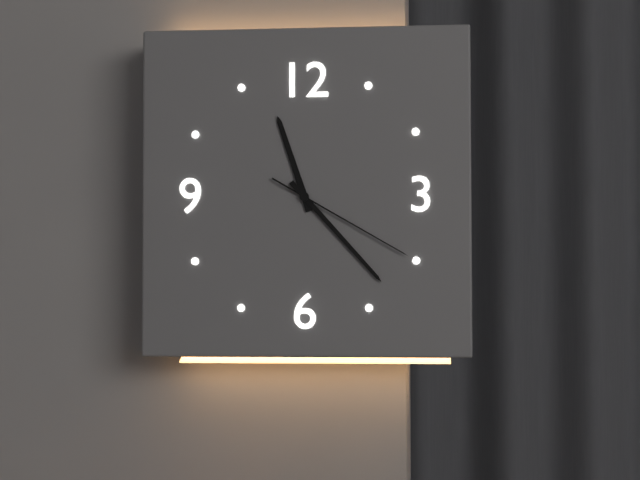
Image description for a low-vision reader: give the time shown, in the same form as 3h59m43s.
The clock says 11h23m20s
